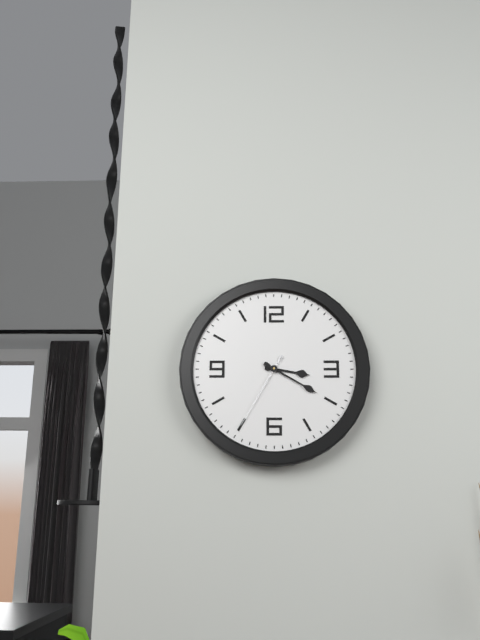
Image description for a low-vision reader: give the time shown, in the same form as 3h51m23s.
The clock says 3h20m35s
